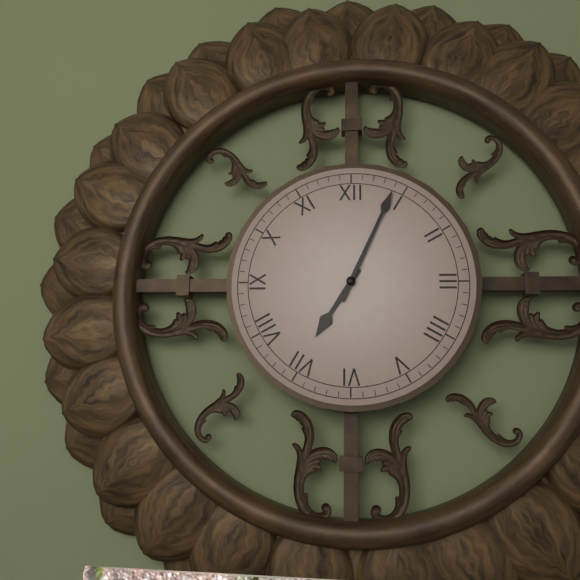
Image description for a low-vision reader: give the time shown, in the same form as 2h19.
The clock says 7h04
